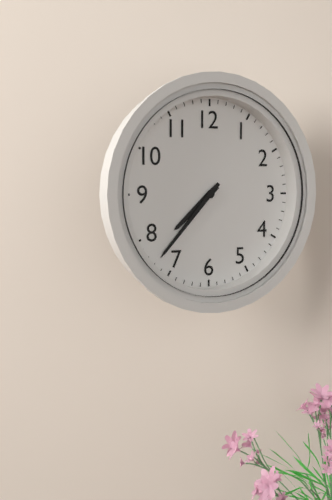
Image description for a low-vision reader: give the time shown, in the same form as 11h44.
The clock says 7h37
